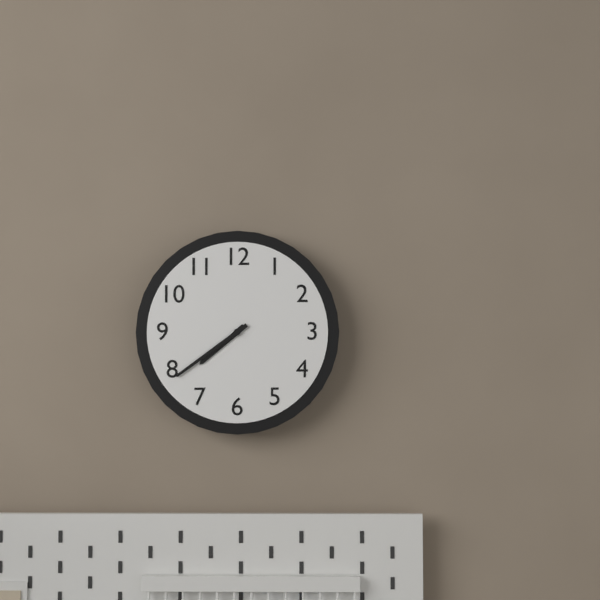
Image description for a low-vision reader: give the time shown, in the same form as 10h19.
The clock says 7h39
